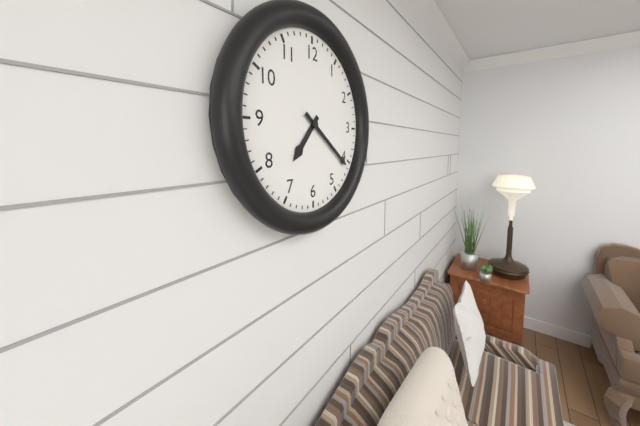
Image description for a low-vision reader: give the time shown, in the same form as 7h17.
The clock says 7h21
